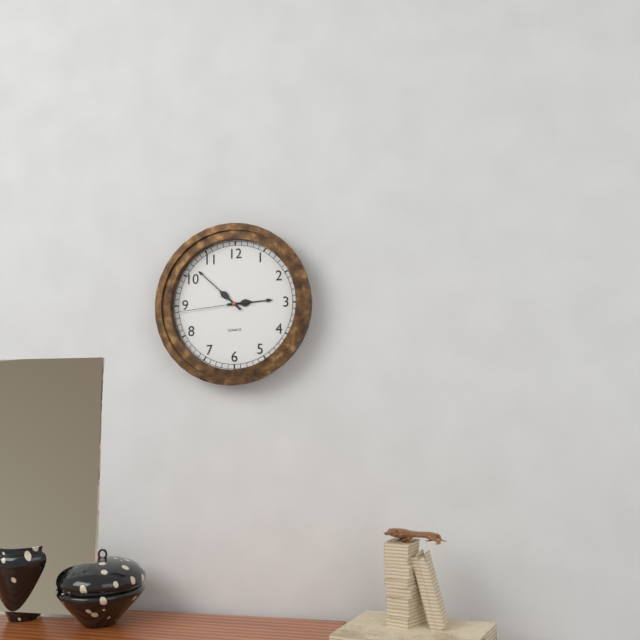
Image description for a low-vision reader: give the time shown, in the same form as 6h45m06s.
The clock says 2h52m44s
